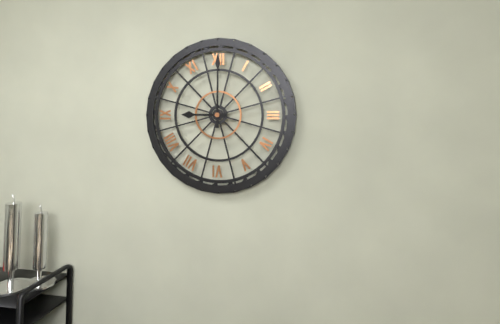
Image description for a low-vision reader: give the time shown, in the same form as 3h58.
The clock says 9h00
